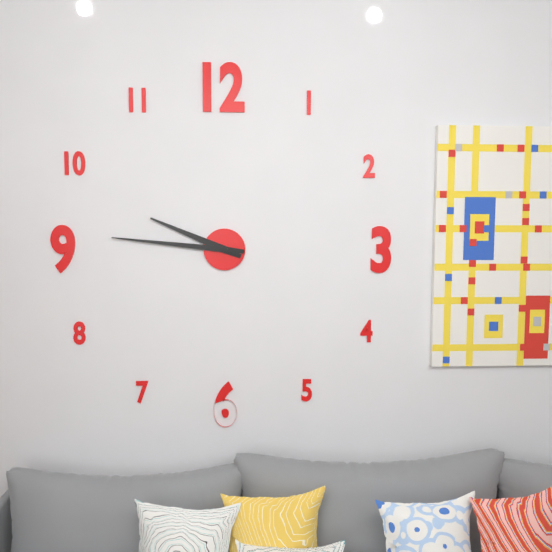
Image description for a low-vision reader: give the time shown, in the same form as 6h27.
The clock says 9h46
